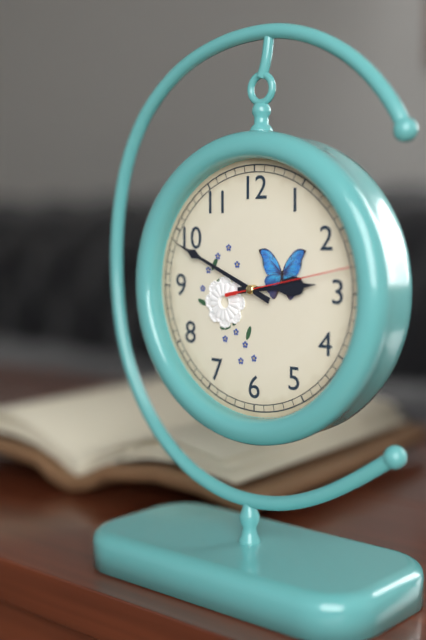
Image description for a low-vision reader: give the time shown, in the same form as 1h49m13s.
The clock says 2h49m13s
